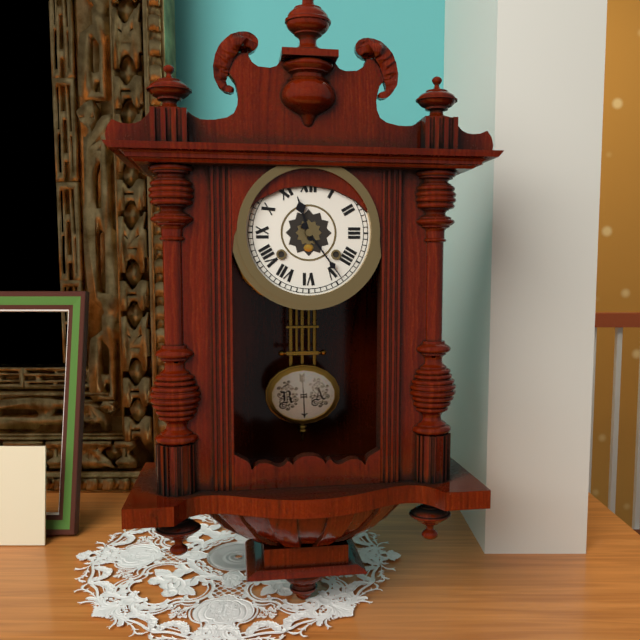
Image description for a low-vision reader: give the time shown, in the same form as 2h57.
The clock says 11h24
